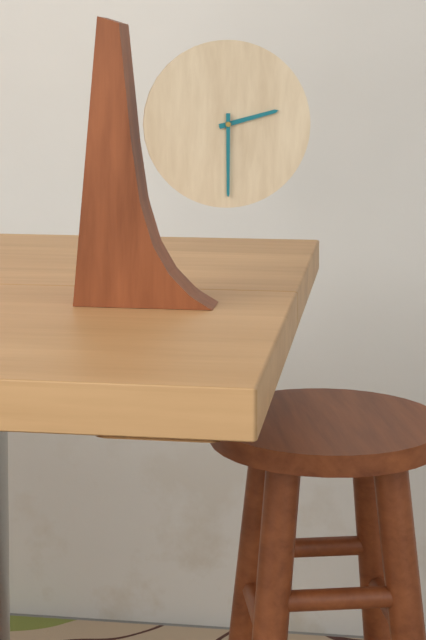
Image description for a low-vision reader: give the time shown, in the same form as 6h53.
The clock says 2h30
